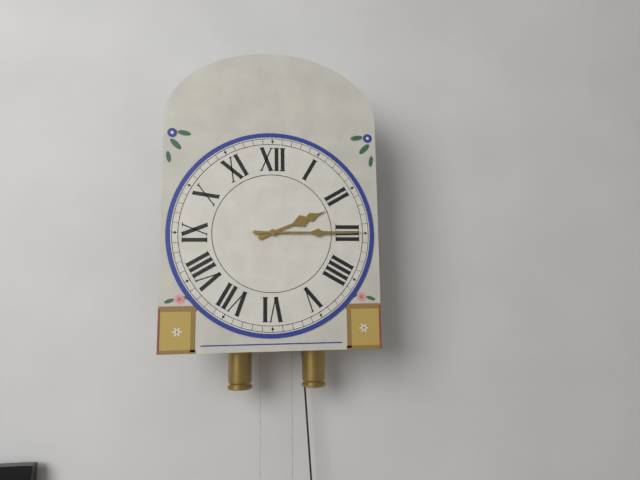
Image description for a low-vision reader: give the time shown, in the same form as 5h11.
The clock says 2h15
